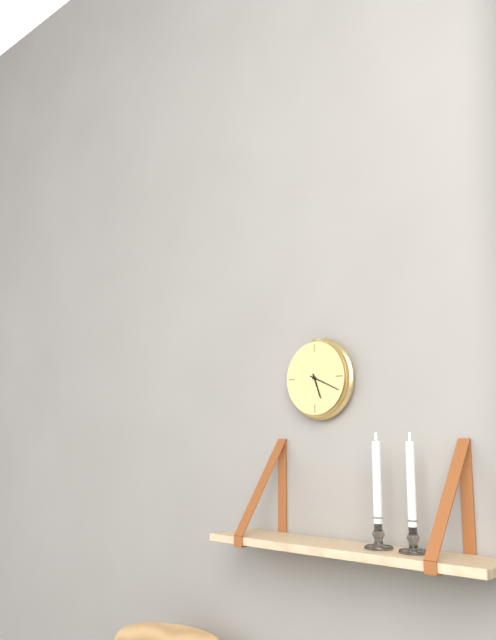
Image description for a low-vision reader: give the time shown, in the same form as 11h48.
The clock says 5h19
